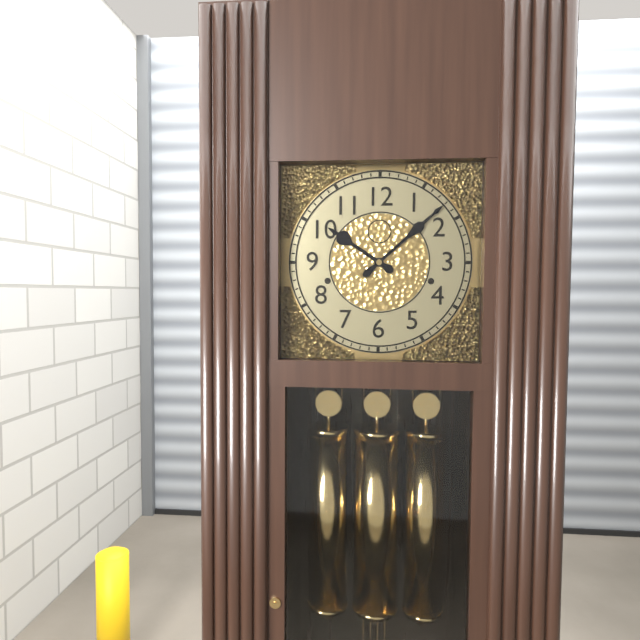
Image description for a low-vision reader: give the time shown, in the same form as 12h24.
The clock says 10h08
